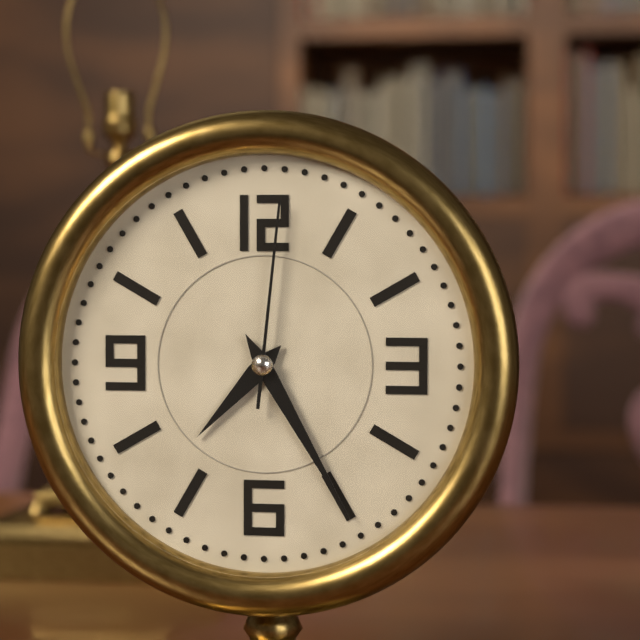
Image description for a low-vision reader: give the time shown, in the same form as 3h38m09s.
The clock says 7h25m01s
